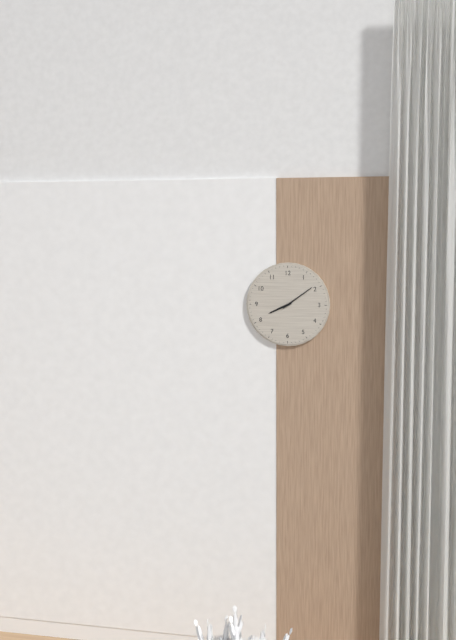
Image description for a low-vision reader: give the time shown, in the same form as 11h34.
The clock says 8h09
